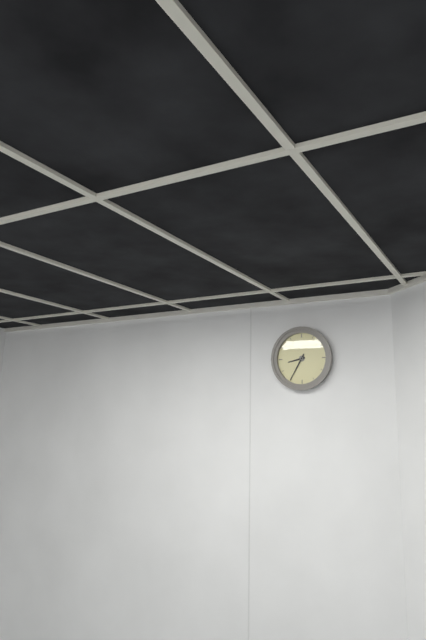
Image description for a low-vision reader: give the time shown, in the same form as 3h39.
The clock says 8h35
